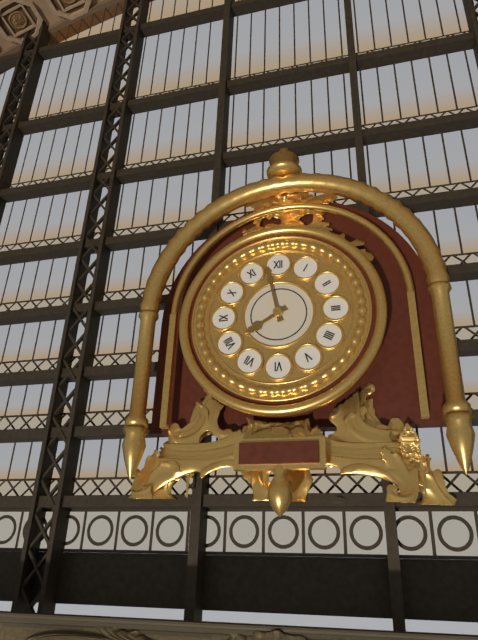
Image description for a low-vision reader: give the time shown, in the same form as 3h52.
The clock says 7h58
